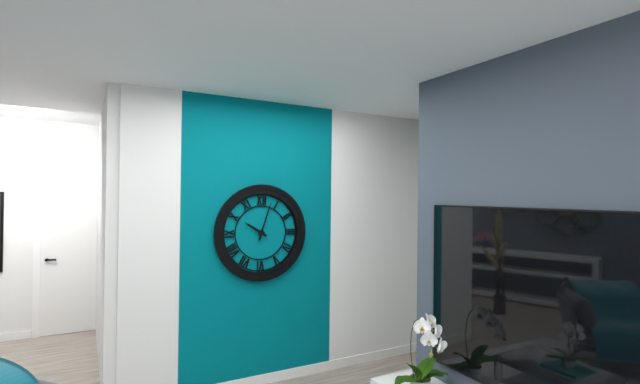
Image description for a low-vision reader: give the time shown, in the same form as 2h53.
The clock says 10h03
